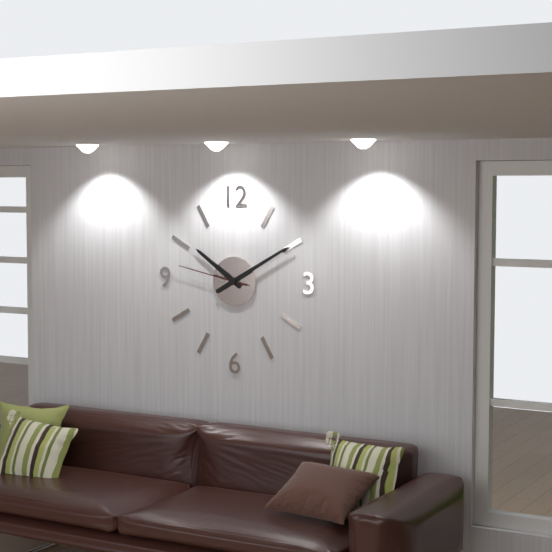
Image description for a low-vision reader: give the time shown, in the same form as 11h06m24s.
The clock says 10h10m47s
